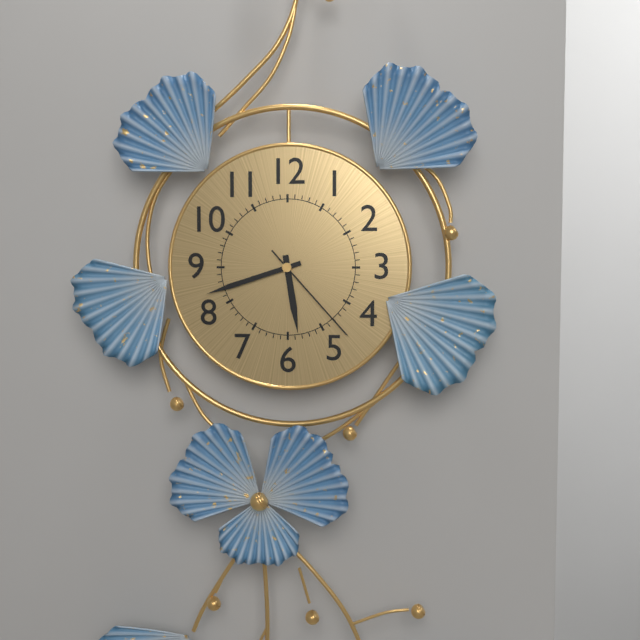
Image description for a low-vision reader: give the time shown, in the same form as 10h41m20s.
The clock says 5h42m23s
